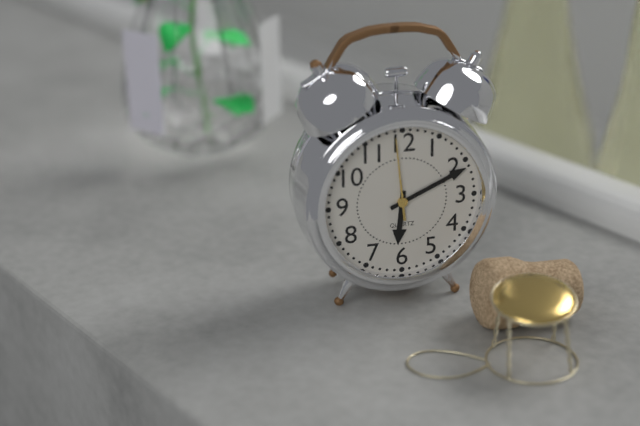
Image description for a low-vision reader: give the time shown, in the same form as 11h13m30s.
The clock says 6h11m59s
